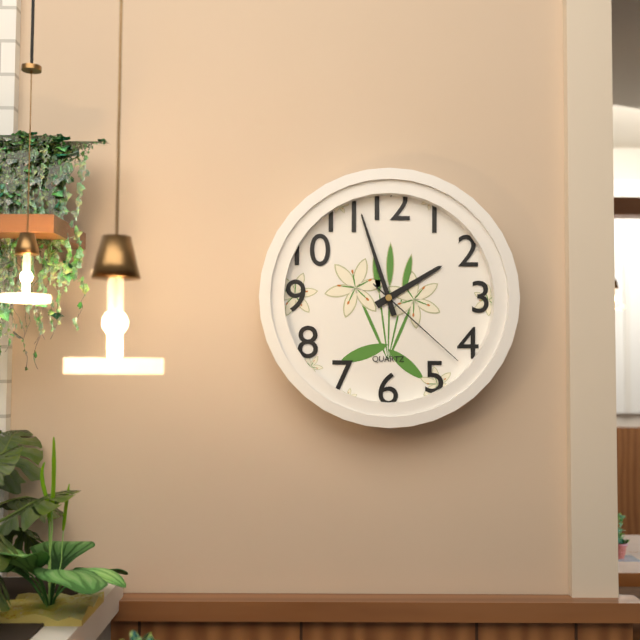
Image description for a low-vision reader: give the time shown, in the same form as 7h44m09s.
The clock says 1h57m22s
